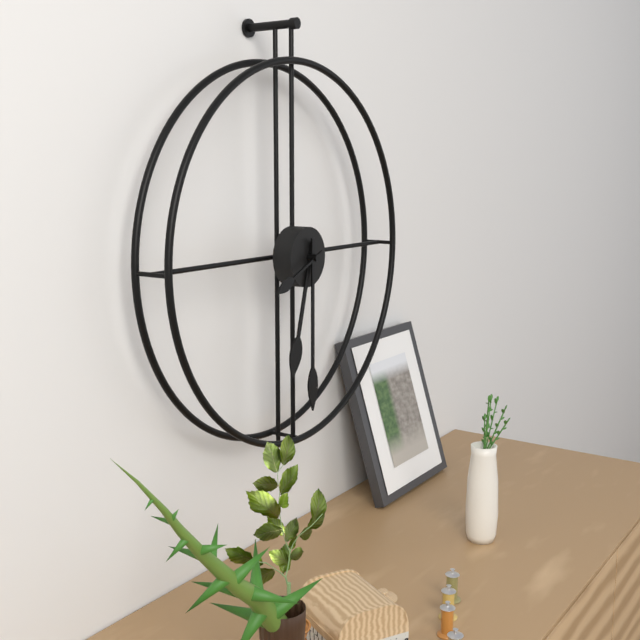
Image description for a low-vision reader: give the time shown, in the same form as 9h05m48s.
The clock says 6h30m41s
